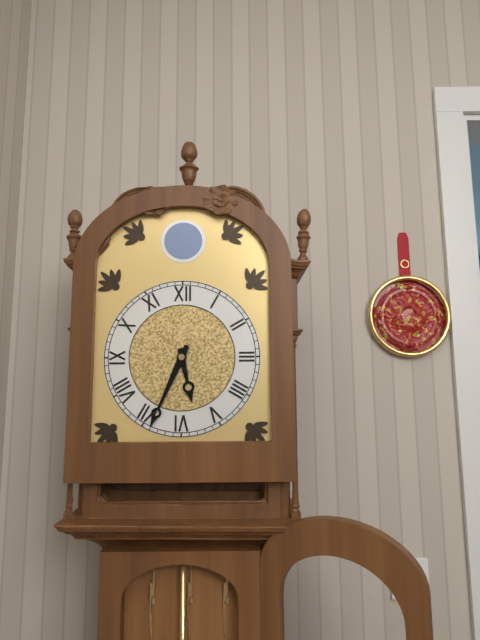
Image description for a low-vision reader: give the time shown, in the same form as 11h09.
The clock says 5h34
